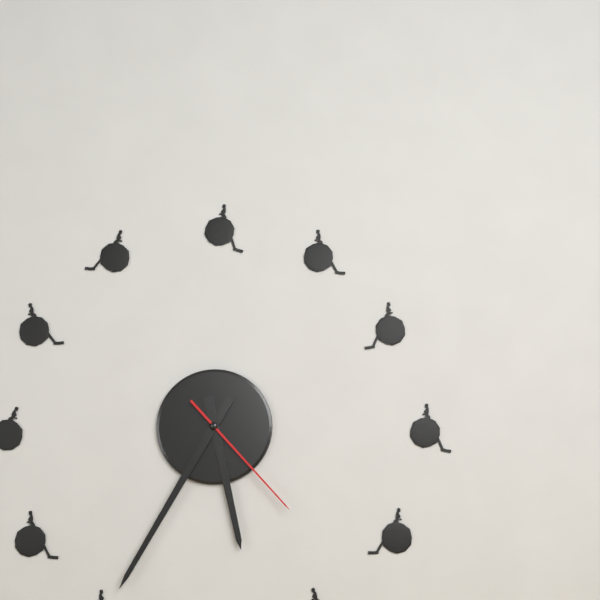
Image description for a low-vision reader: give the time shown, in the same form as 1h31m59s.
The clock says 5h35m23s
